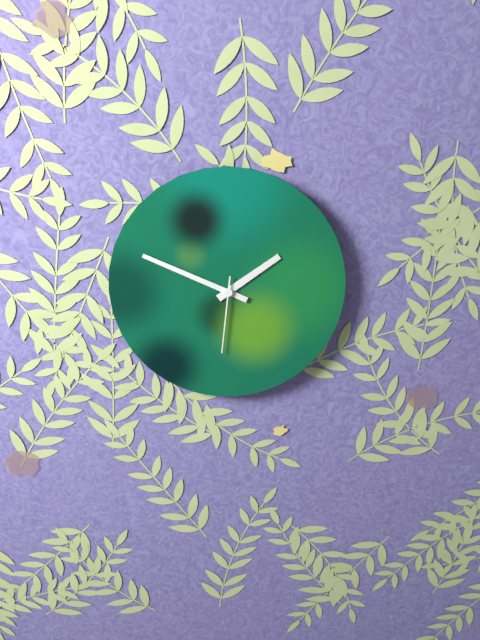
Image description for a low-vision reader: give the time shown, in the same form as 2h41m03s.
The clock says 1h49m31s
